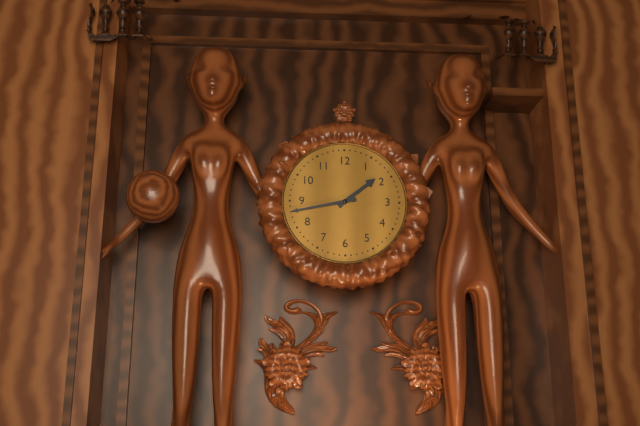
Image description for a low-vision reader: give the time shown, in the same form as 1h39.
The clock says 1h43
